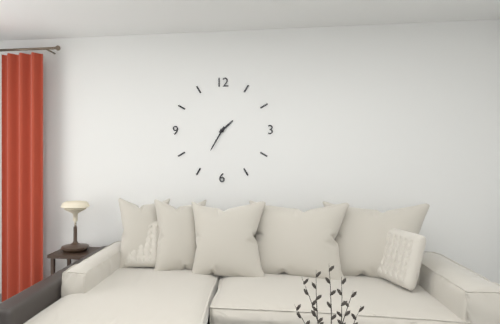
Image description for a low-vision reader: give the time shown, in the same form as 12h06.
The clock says 1h35
